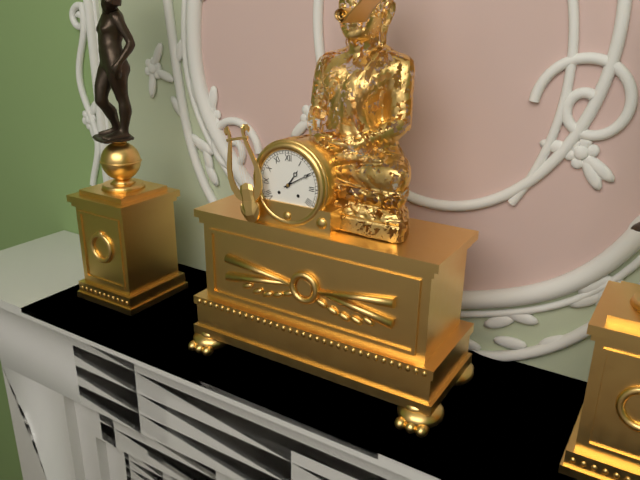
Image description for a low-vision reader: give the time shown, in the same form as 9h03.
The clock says 1h10
